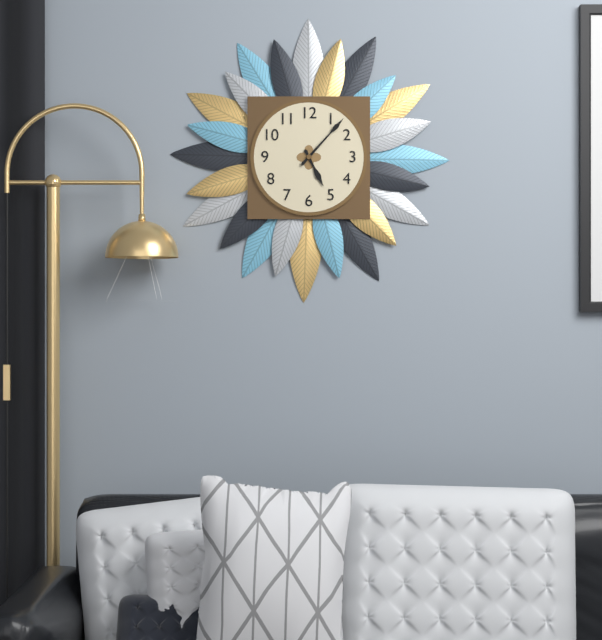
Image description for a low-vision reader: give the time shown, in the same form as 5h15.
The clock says 5h07
